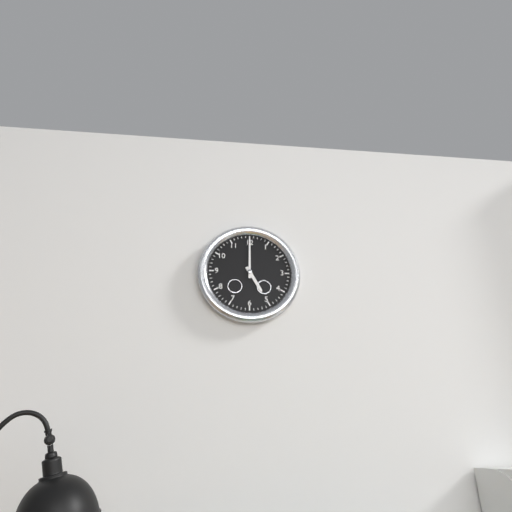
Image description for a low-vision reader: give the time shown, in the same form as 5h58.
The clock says 5h00
